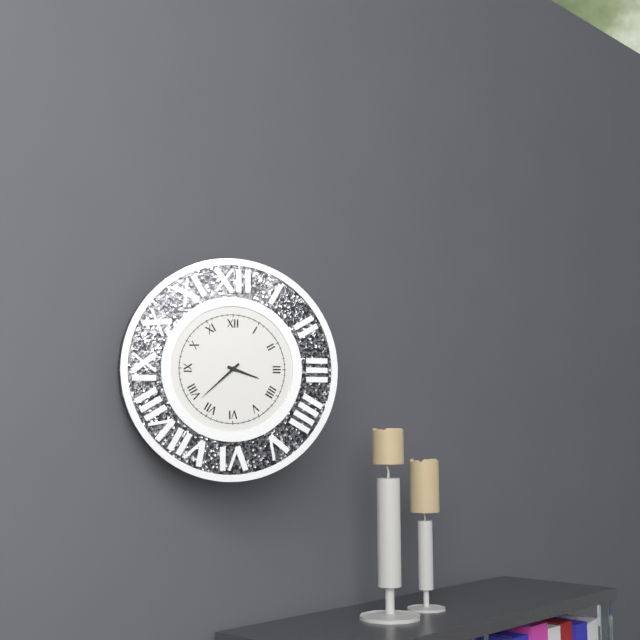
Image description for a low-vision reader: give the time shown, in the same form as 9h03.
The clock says 3h38
